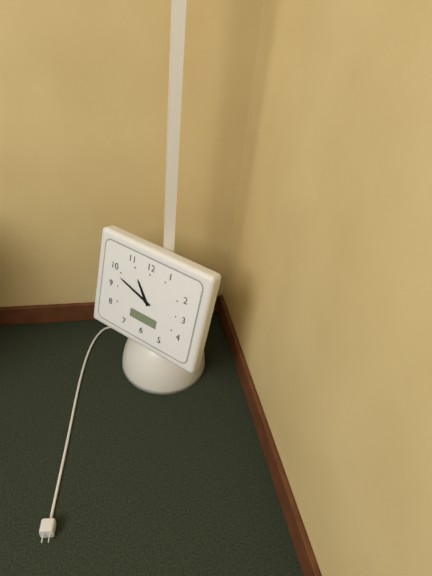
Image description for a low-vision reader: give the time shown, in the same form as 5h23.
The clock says 10h48
